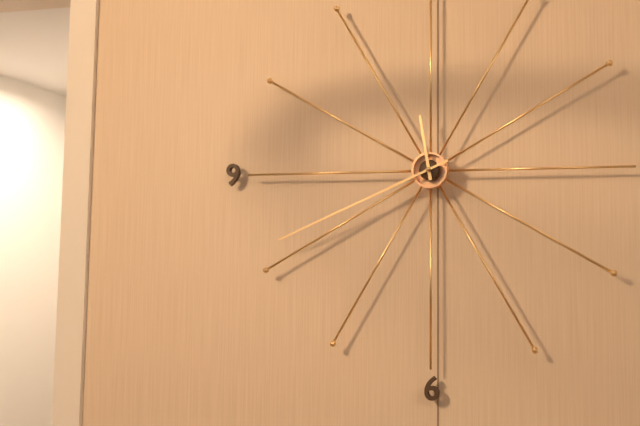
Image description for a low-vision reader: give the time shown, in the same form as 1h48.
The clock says 11h41
